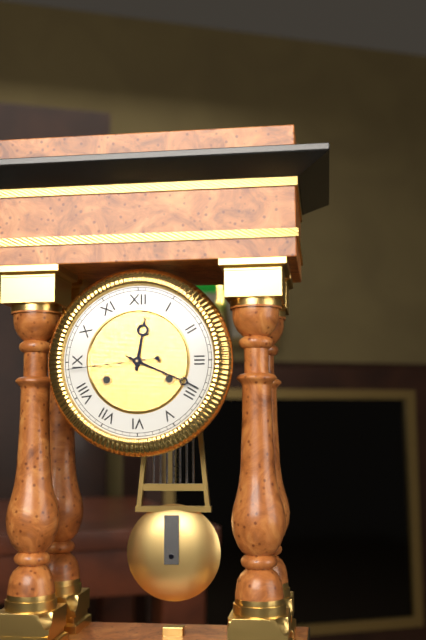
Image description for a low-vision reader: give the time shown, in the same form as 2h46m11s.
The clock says 12h19m44s
